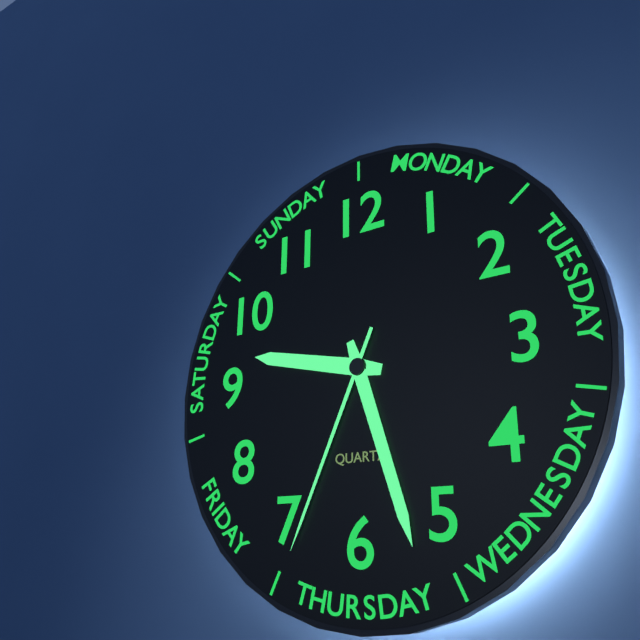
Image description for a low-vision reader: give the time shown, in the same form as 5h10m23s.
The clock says 9h27m34s
